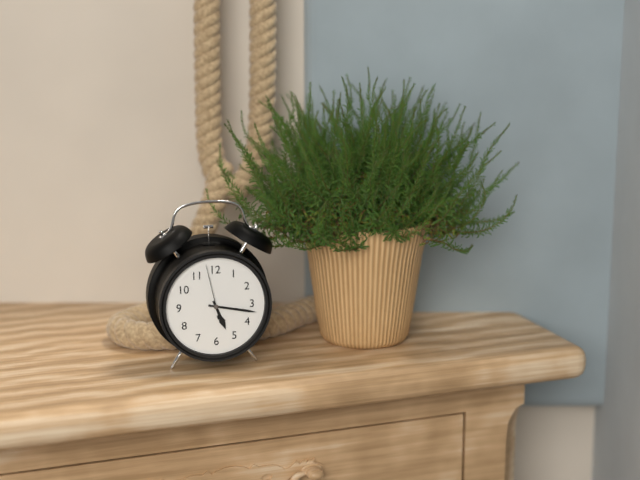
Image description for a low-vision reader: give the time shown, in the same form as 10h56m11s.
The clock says 5h17m58s
